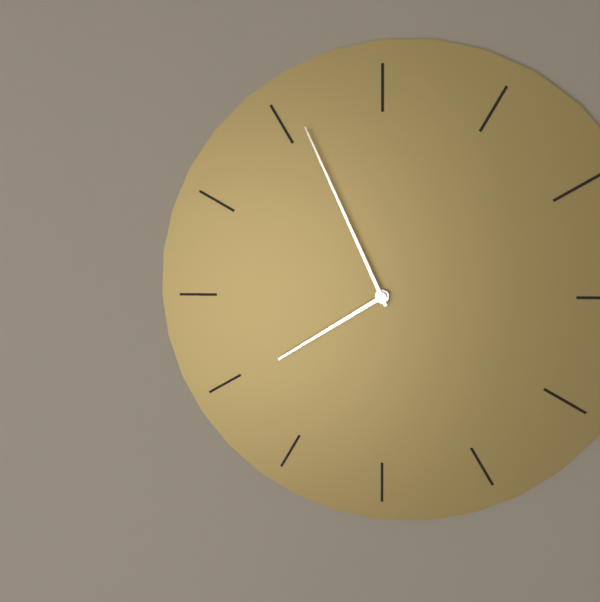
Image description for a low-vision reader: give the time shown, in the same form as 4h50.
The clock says 7h56
